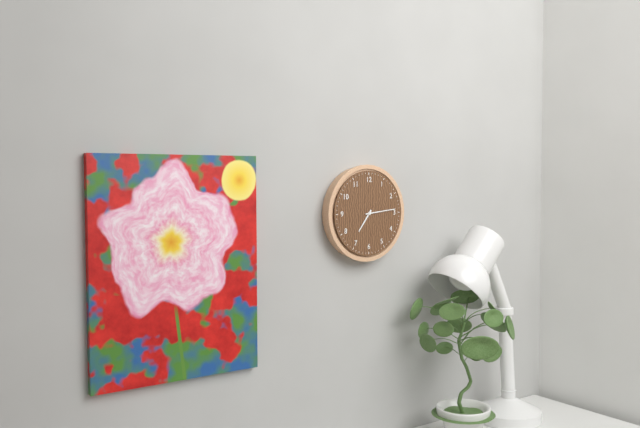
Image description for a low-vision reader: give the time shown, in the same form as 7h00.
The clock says 7h14
